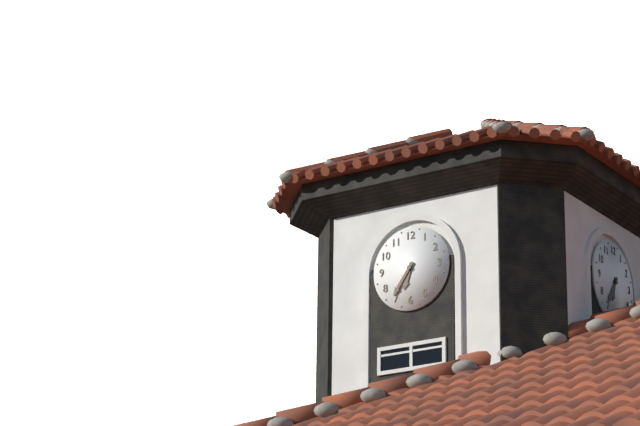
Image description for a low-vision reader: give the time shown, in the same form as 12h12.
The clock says 6h36
